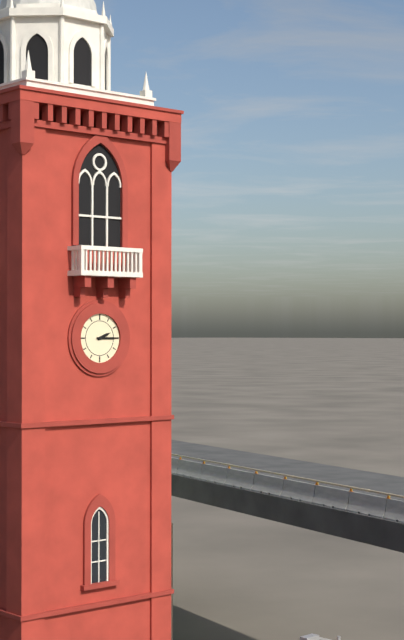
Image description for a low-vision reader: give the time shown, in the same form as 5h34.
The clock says 2h15
